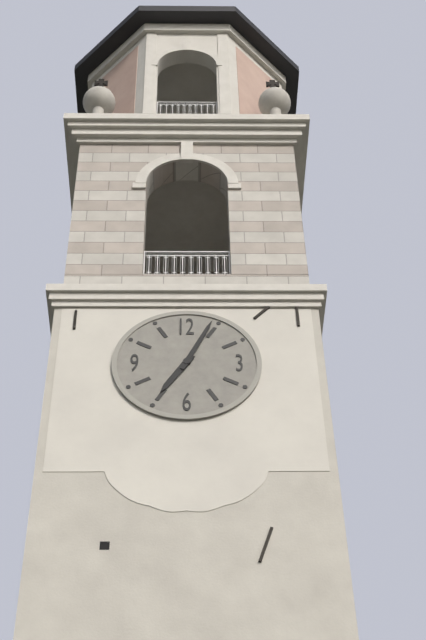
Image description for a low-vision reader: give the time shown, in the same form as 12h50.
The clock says 7h04
